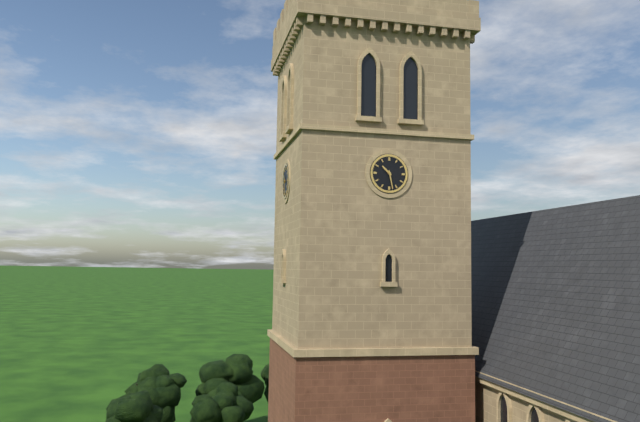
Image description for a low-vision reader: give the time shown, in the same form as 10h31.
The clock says 10h28
